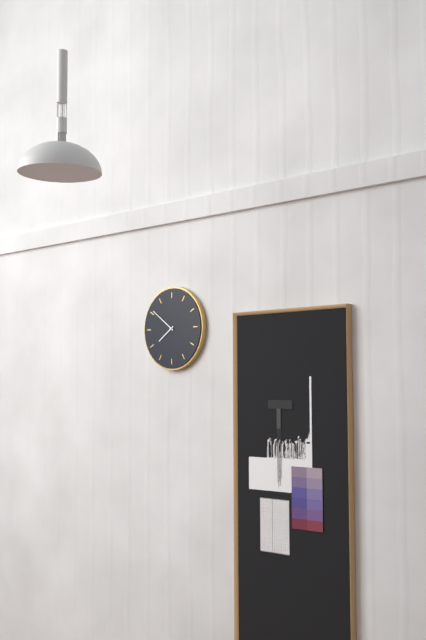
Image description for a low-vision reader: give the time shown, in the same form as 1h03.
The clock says 7h51
